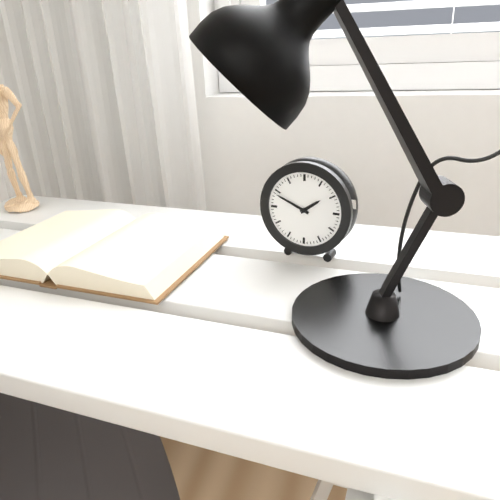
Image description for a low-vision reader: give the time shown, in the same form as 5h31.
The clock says 1h49
